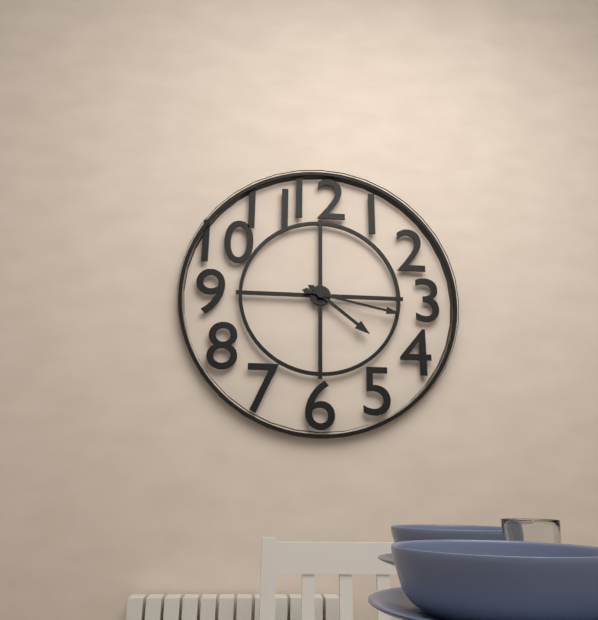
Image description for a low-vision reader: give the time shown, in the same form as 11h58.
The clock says 4h17
